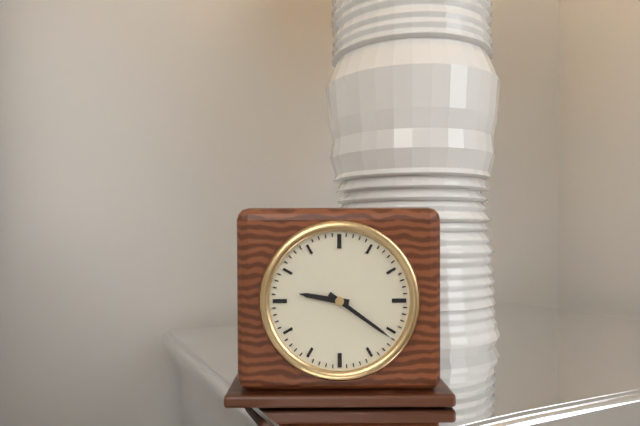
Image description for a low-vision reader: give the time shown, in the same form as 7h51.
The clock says 9h21
